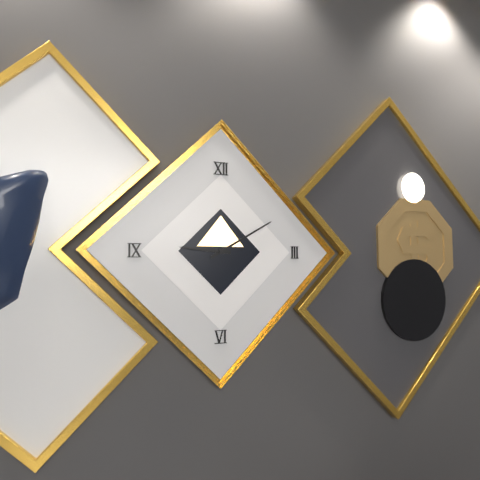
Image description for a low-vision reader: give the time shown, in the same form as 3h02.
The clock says 9h10
